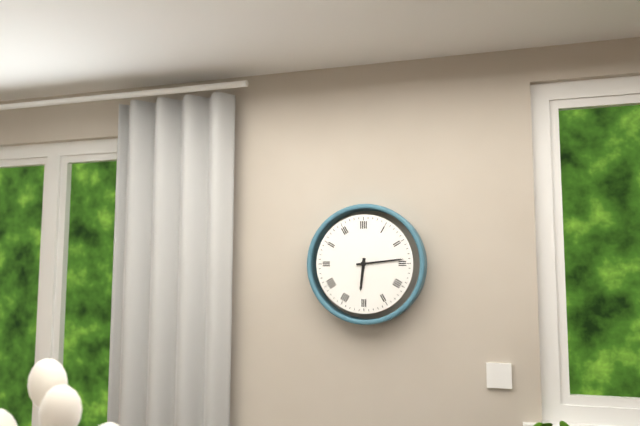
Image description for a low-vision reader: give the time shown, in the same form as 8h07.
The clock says 6h14
